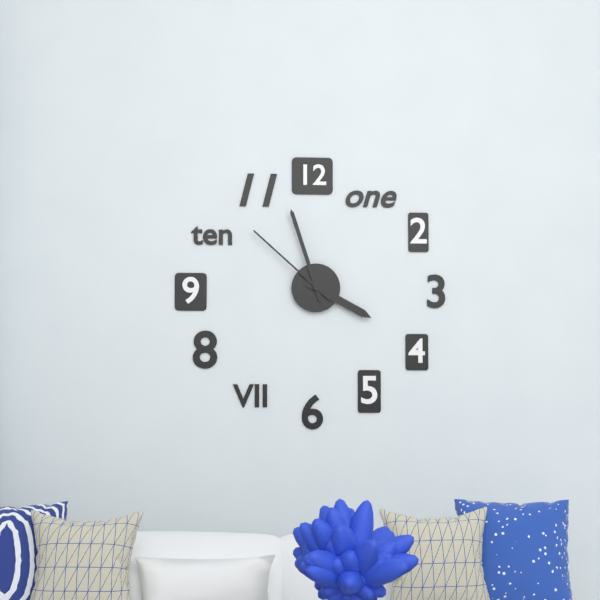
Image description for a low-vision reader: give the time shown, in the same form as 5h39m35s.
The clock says 3h57m52s
